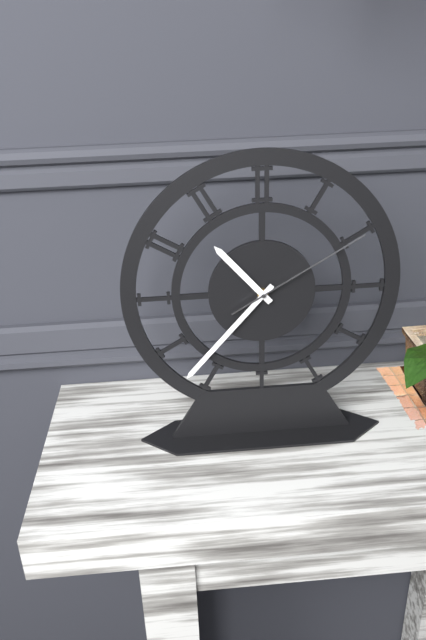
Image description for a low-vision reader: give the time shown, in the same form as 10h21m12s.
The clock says 10h37m10s
